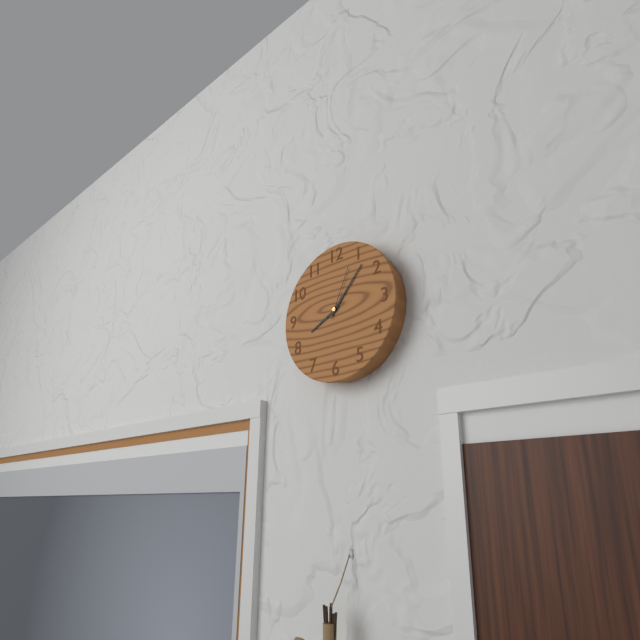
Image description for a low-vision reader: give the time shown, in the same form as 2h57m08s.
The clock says 8h07m04s
